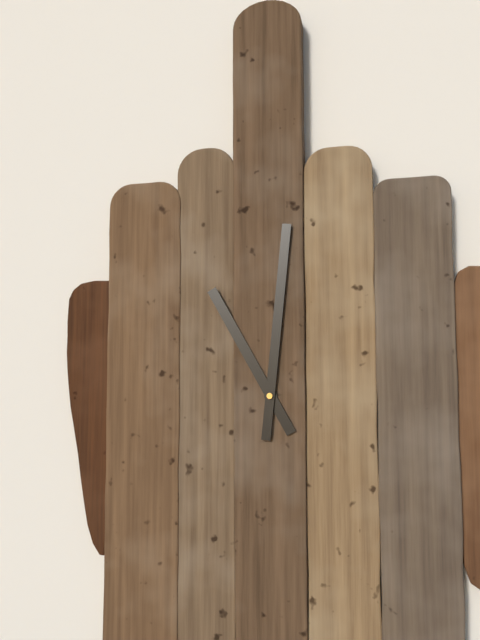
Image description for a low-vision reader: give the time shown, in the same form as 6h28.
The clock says 11h01
